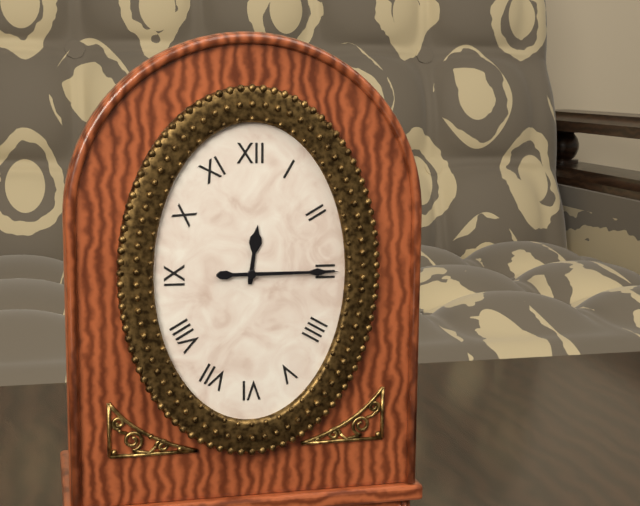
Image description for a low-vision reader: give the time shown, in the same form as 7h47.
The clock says 12h15
